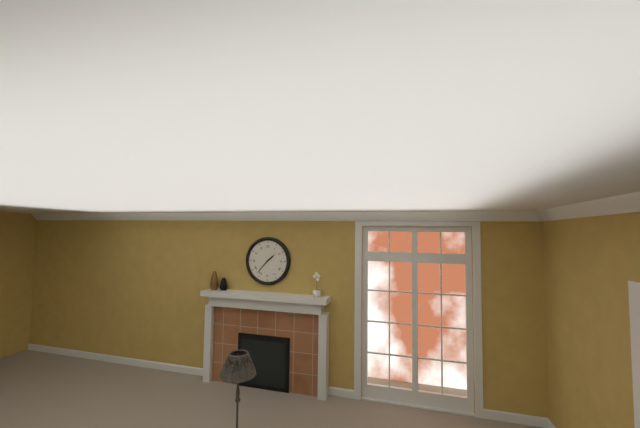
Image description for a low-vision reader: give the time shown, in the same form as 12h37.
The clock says 1h37
